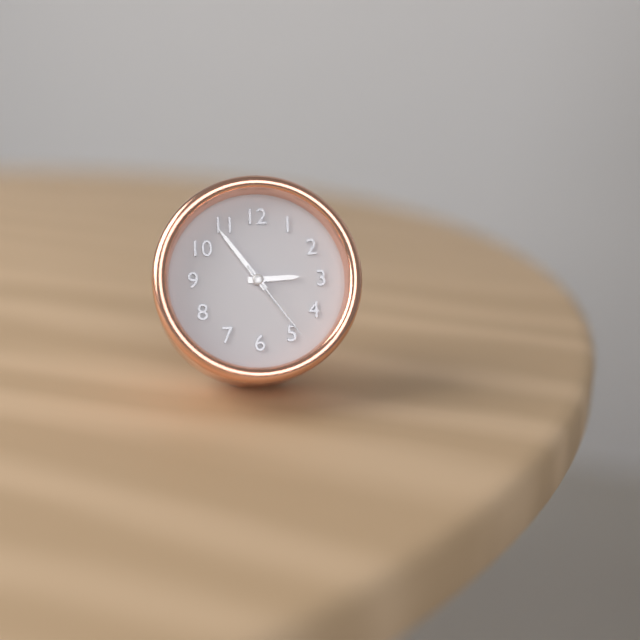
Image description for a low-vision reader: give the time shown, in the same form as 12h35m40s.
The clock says 2h54m24s
